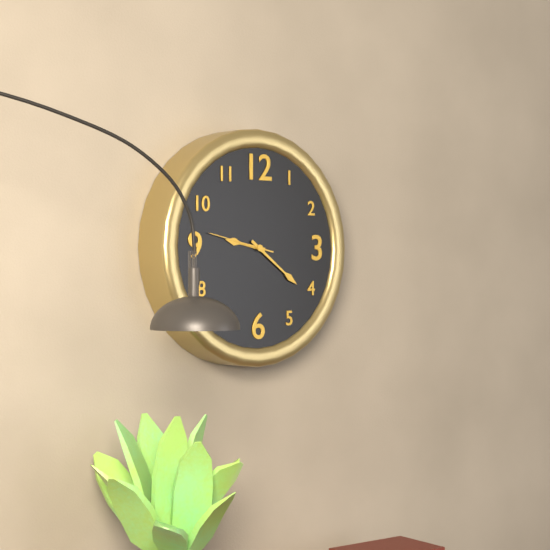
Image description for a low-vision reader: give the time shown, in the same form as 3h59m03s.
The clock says 9h21m47s
